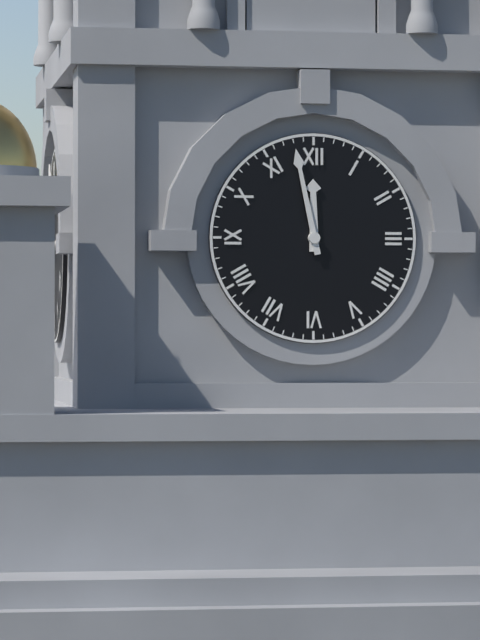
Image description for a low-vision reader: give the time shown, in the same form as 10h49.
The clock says 11h58
